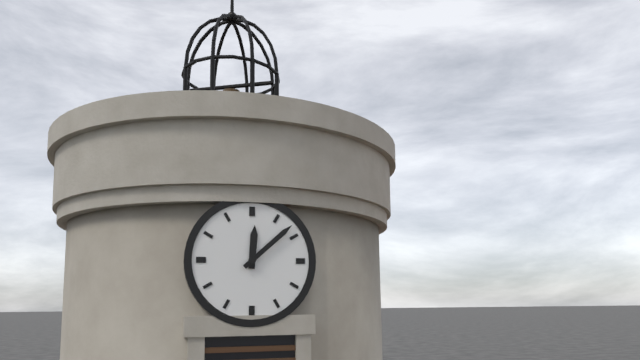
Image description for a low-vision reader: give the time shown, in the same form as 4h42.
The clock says 12h08
